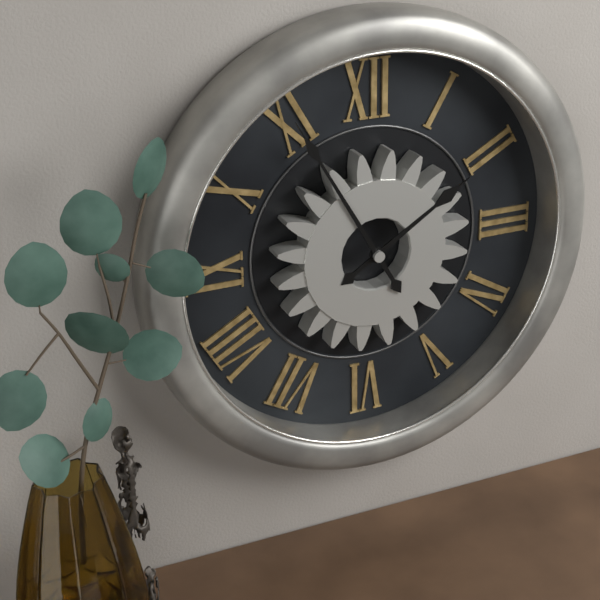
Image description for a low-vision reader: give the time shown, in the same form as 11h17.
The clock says 1h55
